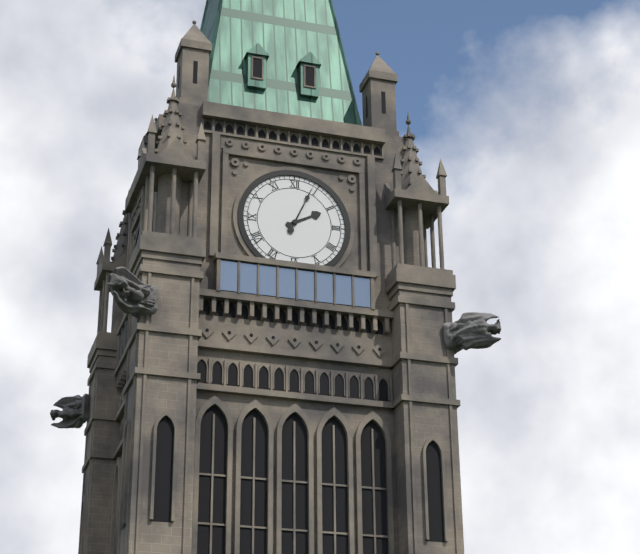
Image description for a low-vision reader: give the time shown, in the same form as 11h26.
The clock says 2h04
